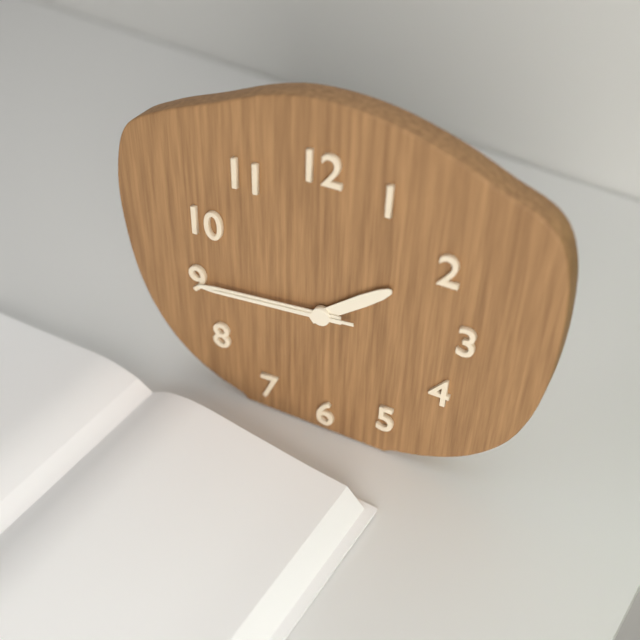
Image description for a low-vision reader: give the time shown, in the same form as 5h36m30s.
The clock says 1h44m44s
